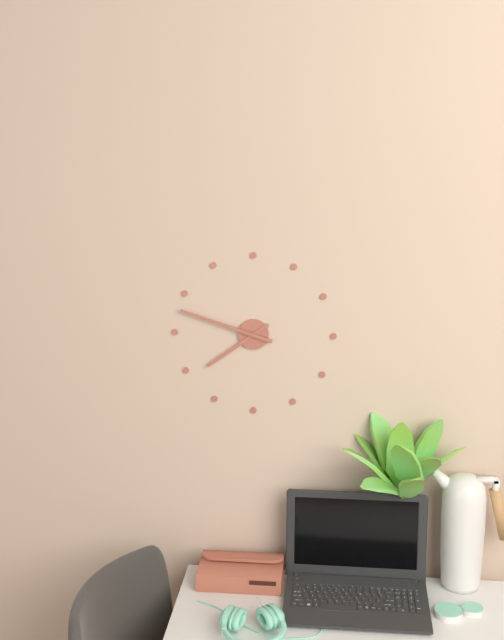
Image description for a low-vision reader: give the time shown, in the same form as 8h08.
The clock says 7h48
